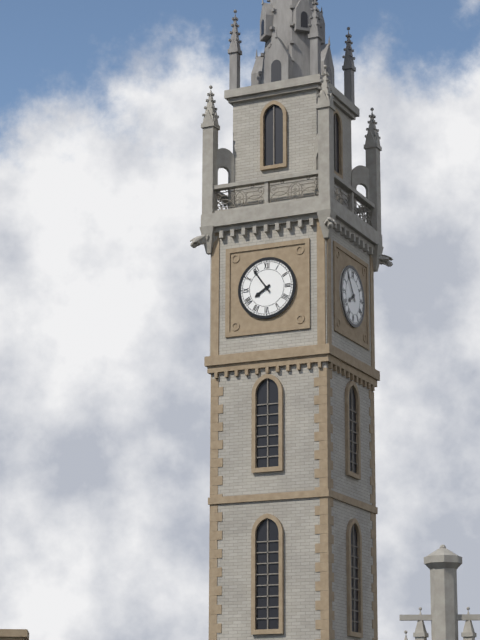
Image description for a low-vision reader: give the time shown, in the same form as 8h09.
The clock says 7h54
